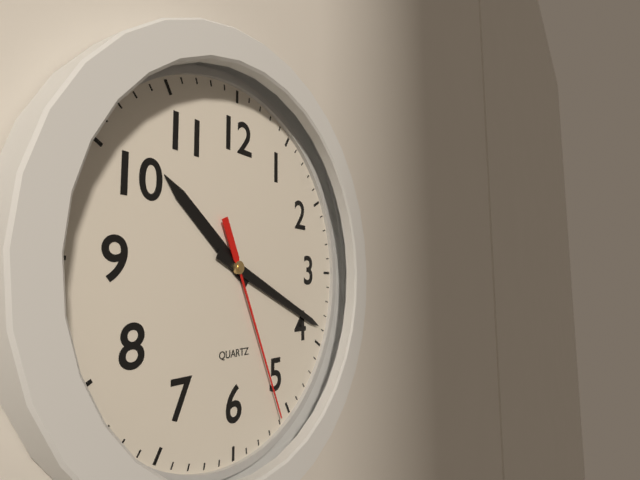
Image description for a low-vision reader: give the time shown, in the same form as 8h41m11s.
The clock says 10h19m26s
